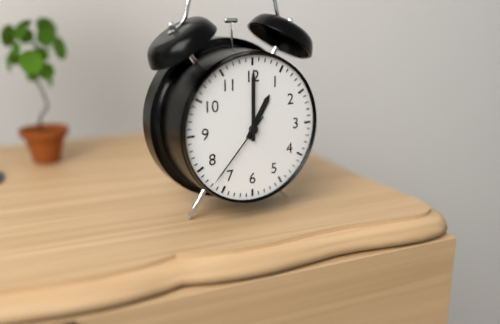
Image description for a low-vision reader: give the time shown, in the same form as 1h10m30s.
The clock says 1h00m37s
